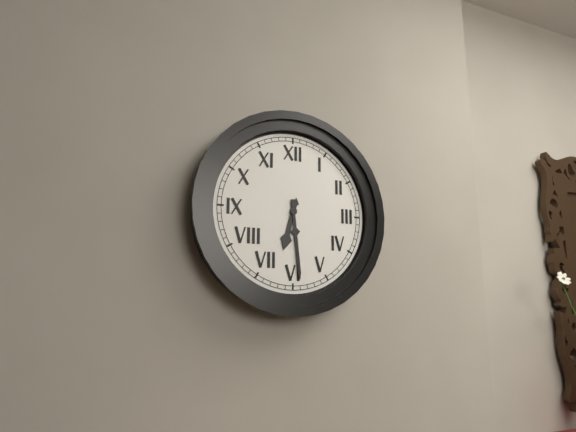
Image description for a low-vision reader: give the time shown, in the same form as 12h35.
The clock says 6h29
